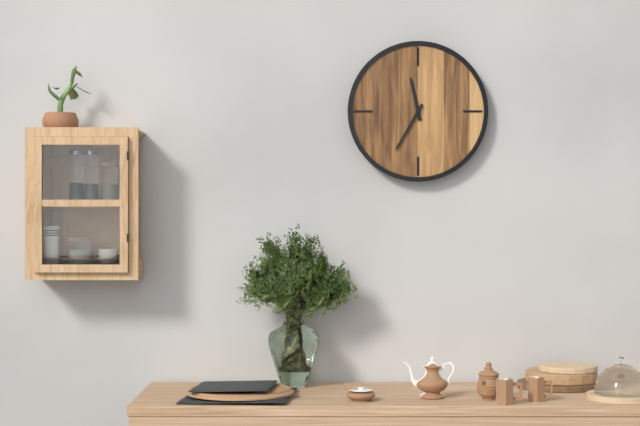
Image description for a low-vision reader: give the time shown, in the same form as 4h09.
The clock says 11h35
